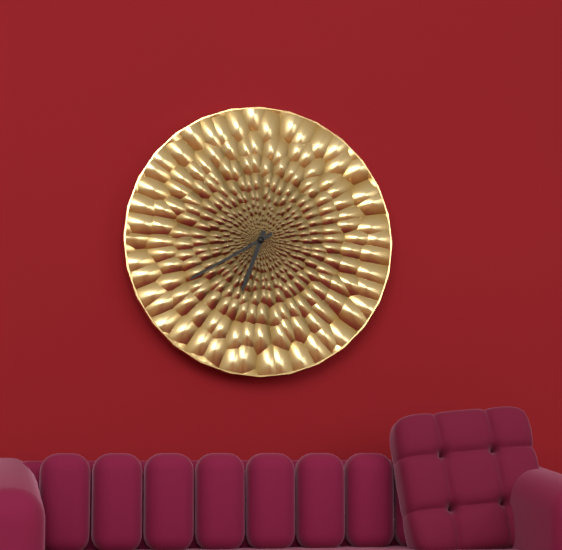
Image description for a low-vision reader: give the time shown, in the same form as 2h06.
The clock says 6h40
